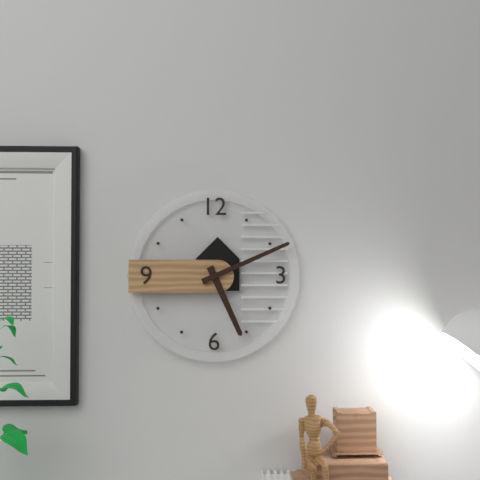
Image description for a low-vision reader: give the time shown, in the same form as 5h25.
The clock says 5h11
